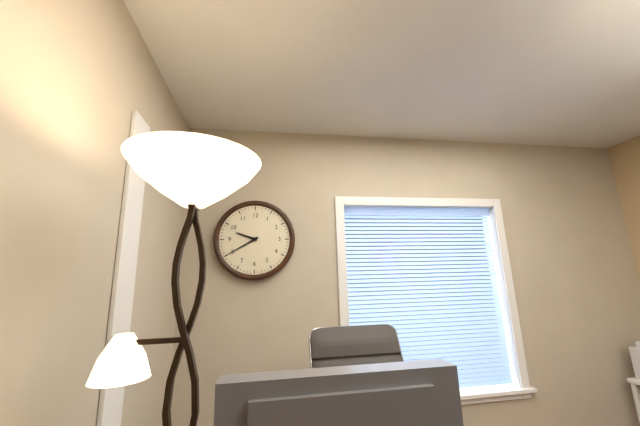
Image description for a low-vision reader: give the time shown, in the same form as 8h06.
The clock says 9h40
